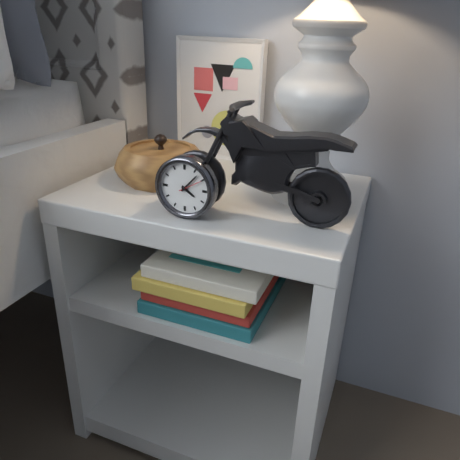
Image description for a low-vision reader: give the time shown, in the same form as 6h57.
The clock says 4h07
